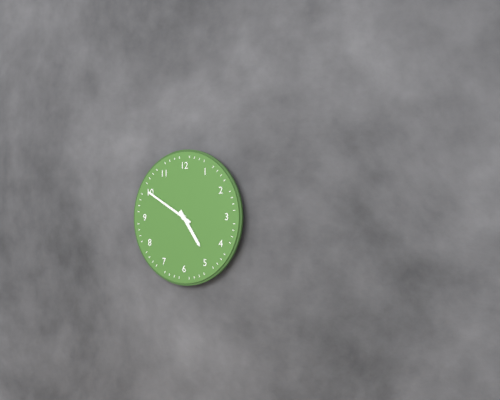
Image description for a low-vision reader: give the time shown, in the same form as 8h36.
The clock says 4h50
